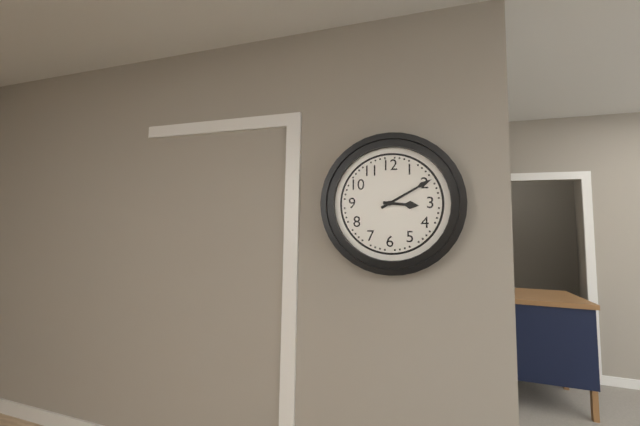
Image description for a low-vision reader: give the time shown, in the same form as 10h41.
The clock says 3h10
